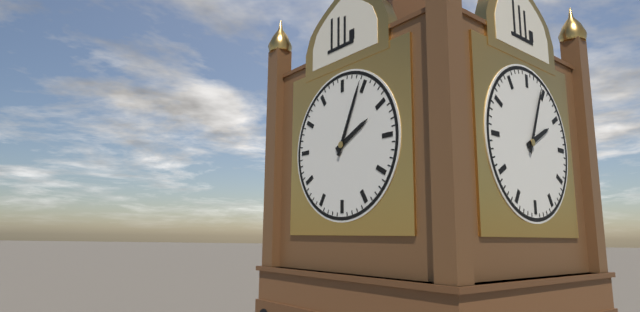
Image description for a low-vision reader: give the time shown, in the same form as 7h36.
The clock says 2h04
